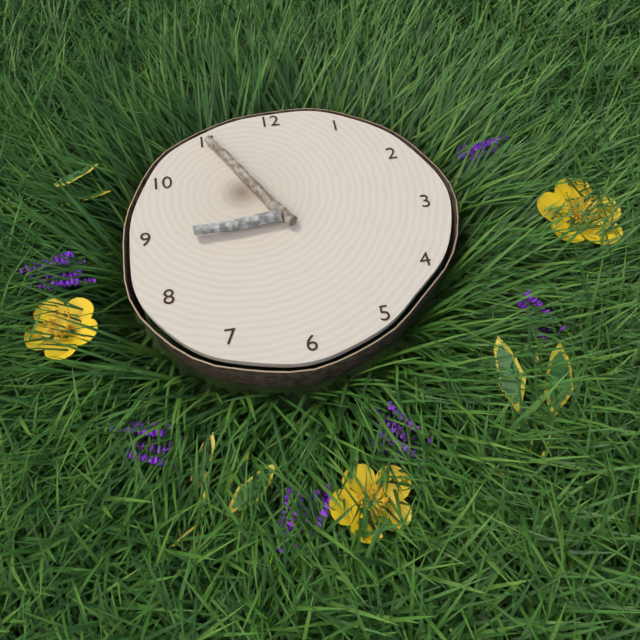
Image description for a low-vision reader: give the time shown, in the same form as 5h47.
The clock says 8h55
